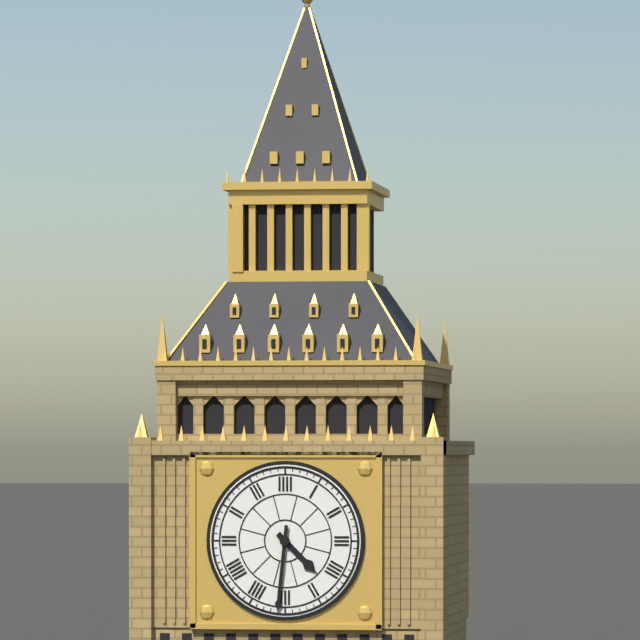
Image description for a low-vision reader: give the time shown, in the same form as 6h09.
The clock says 4h31
